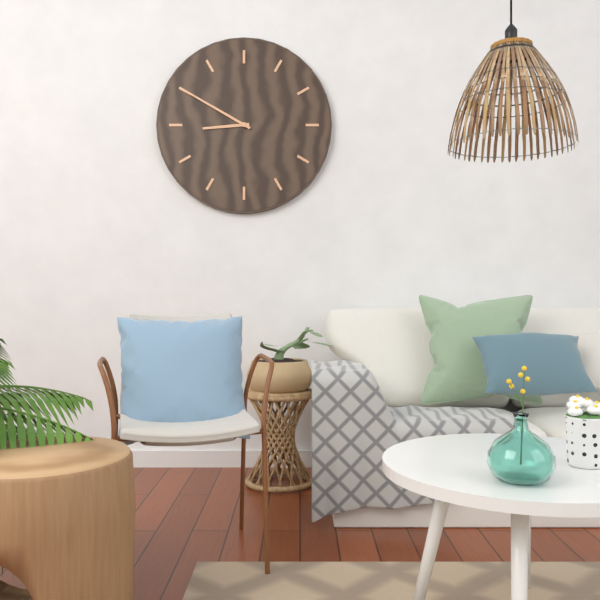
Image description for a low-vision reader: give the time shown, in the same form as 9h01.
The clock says 8h50
